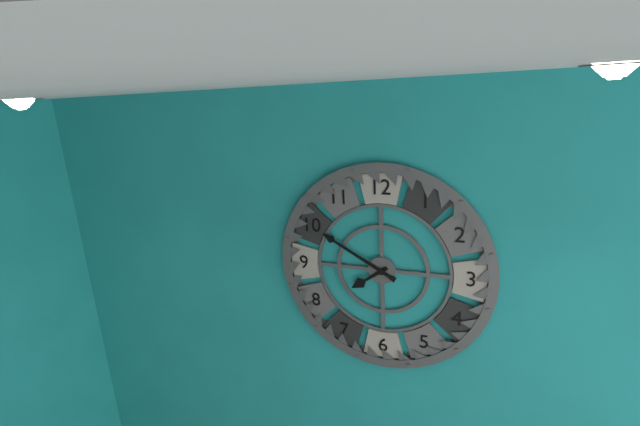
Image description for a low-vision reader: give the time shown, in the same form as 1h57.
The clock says 7h50
